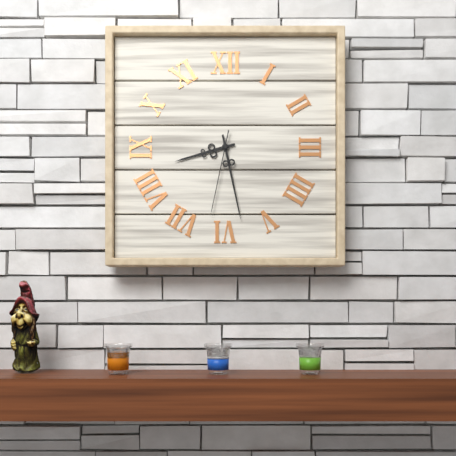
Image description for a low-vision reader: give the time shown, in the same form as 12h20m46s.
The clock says 8h28m32s
